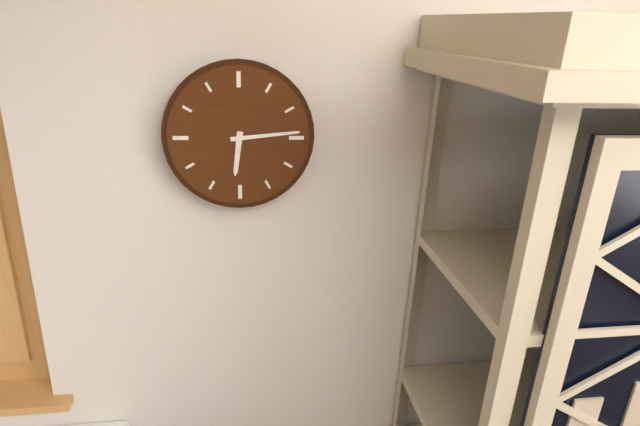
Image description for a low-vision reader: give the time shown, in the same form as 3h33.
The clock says 6h14
